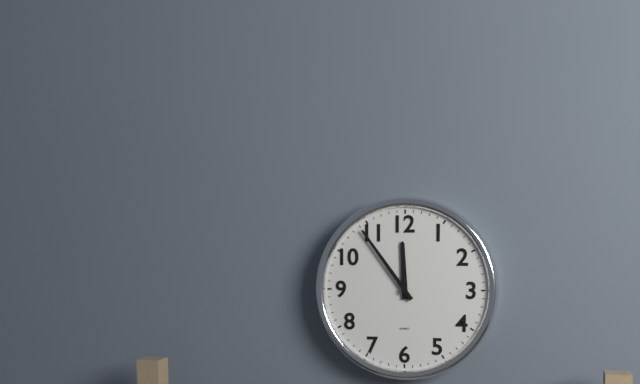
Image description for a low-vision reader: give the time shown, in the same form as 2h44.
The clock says 11h54
